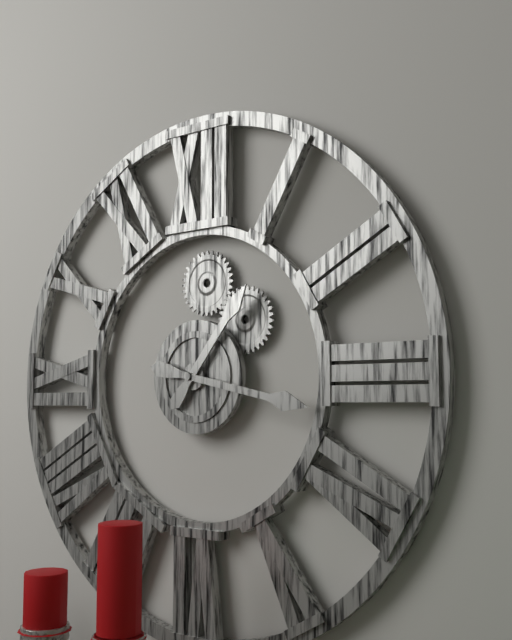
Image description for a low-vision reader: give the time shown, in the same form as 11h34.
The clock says 1h17
